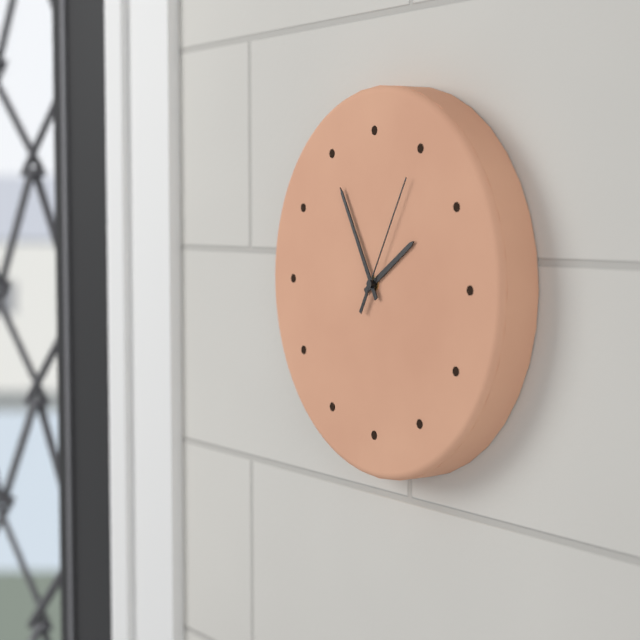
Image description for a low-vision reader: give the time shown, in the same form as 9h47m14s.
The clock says 1h55m05s
